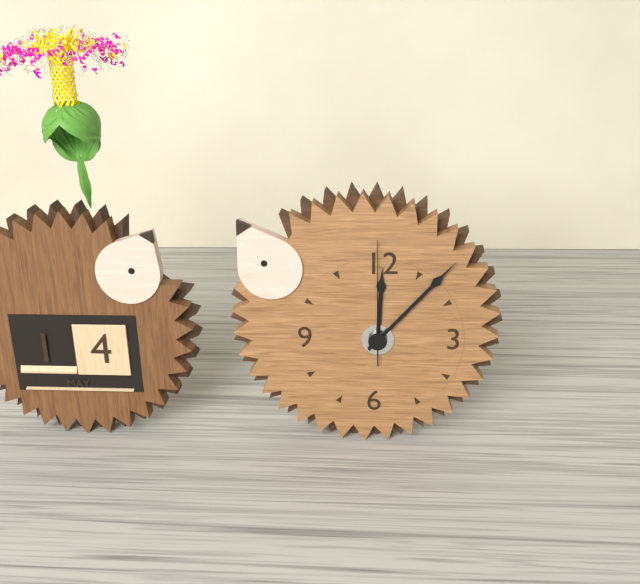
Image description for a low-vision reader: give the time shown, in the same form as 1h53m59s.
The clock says 12h07m00s
